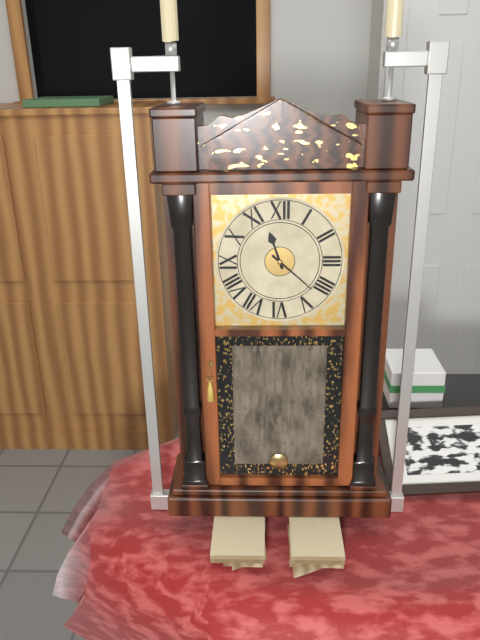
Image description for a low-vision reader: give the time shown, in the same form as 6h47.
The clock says 11h22
